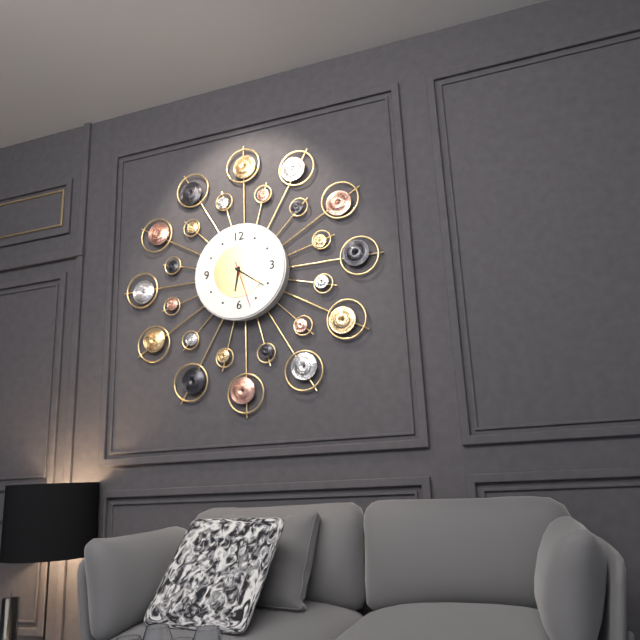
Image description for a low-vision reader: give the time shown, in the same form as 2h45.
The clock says 6h21
